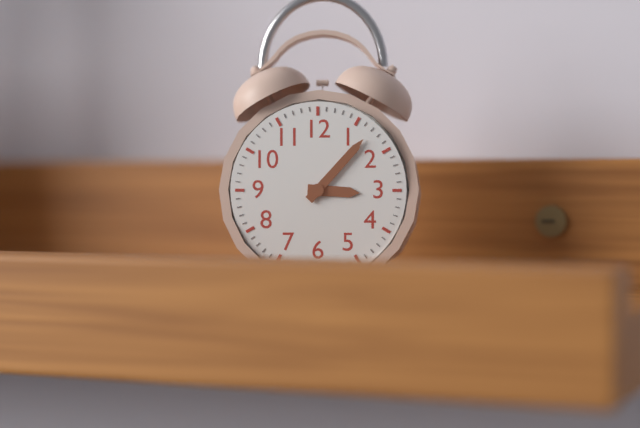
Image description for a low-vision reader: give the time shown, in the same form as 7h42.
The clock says 3h07
